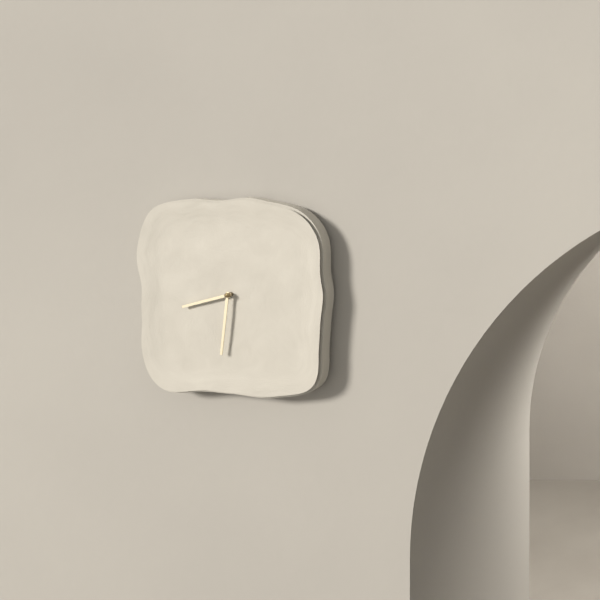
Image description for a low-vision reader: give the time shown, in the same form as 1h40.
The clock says 8h31
